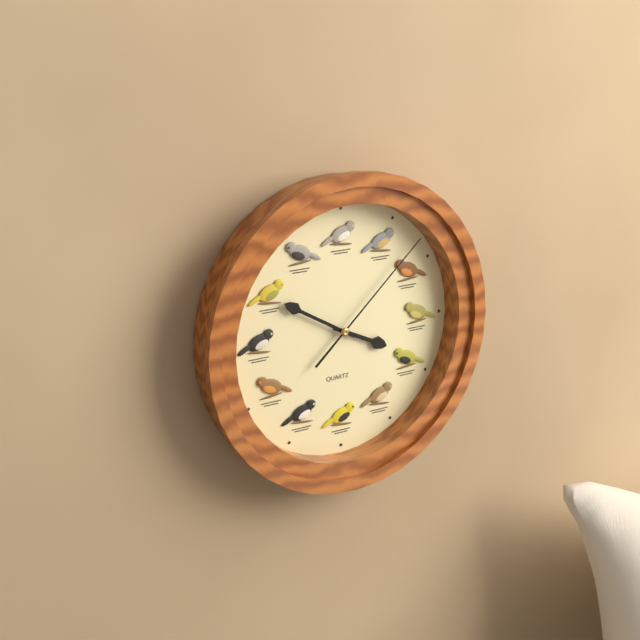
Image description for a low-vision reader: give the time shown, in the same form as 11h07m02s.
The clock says 3h50m08s
